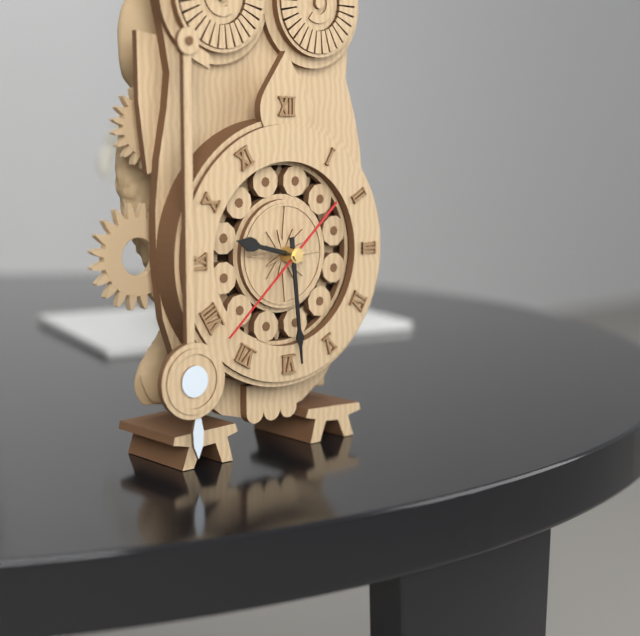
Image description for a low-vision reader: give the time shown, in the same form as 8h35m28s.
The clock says 9h29m38s
